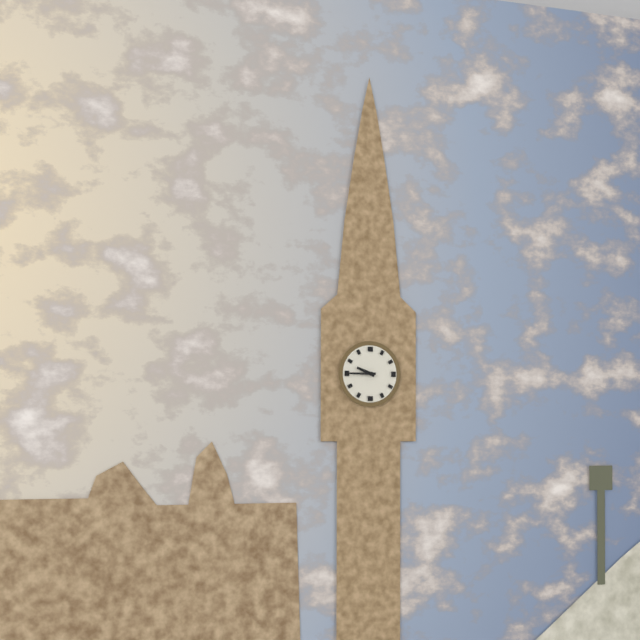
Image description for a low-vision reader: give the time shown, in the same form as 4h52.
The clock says 9h45
